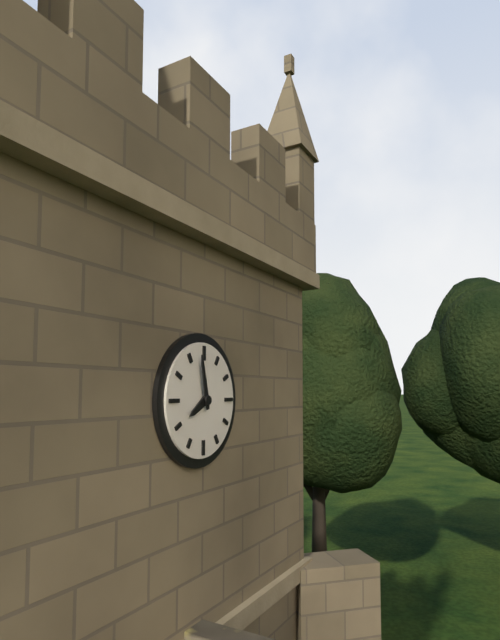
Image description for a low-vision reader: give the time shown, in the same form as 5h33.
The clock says 7h58
